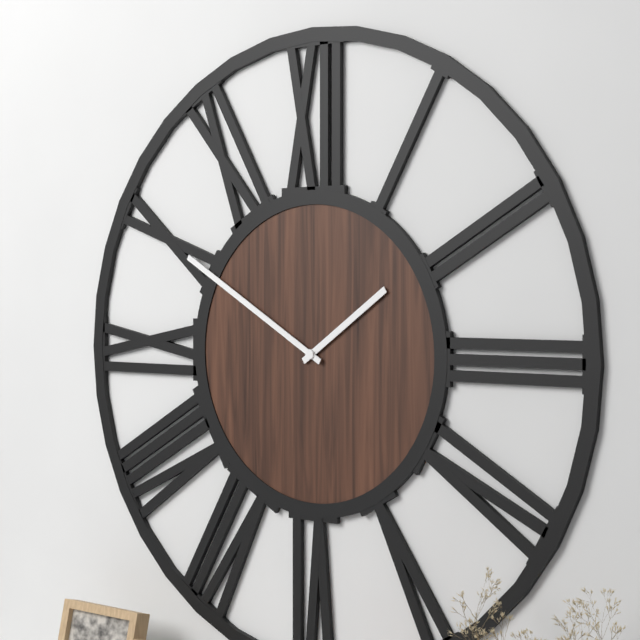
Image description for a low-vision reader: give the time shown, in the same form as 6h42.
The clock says 1h50
